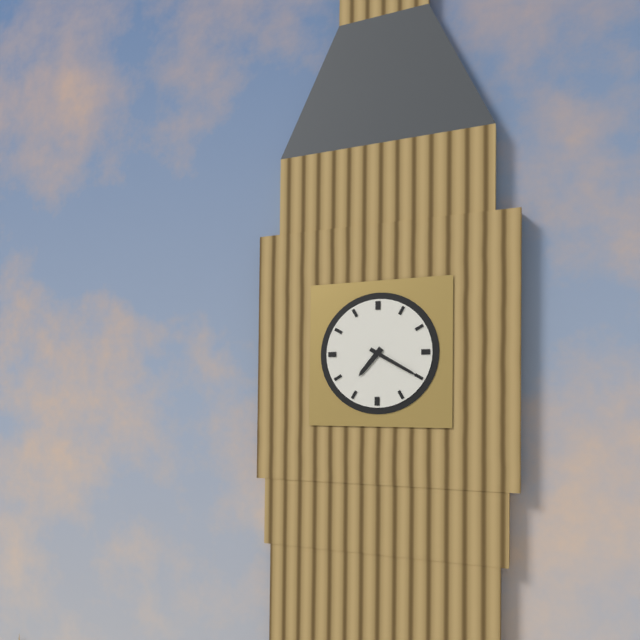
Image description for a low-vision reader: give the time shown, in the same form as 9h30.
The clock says 7h20
